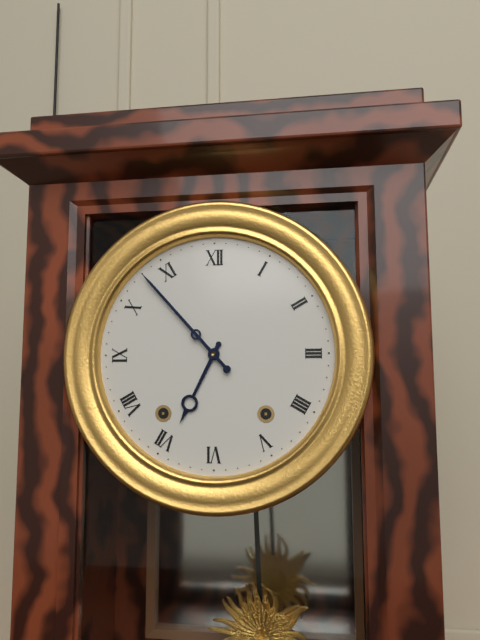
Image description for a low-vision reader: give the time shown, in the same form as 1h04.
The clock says 6h53
